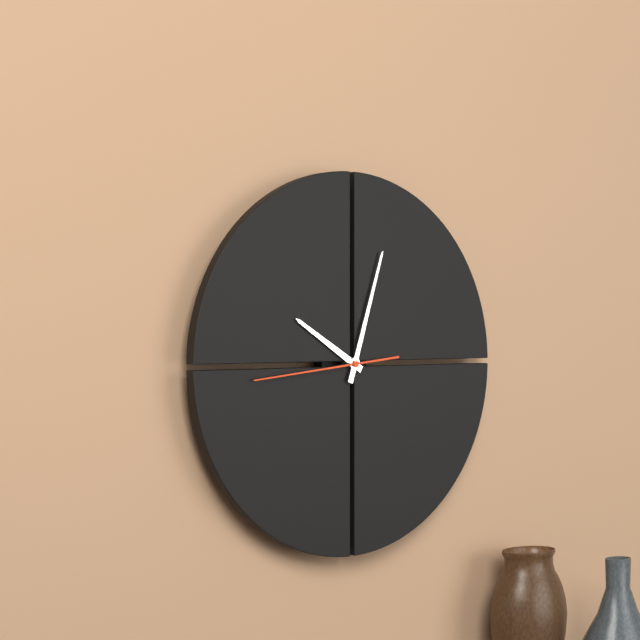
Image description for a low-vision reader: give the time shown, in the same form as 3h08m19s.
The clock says 10h03m44s
